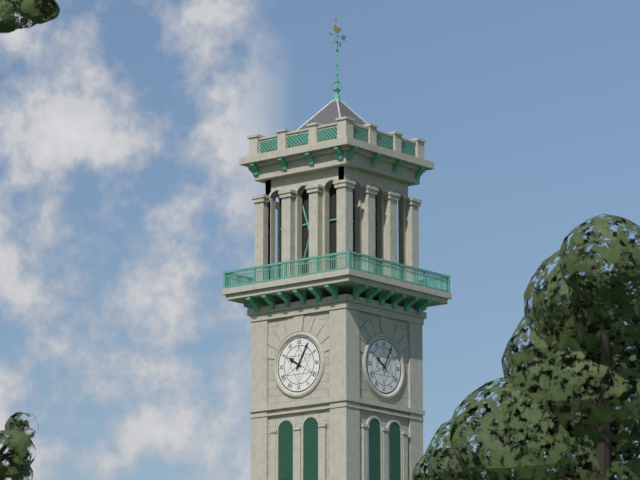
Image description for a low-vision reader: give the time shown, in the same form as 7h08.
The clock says 10h05
